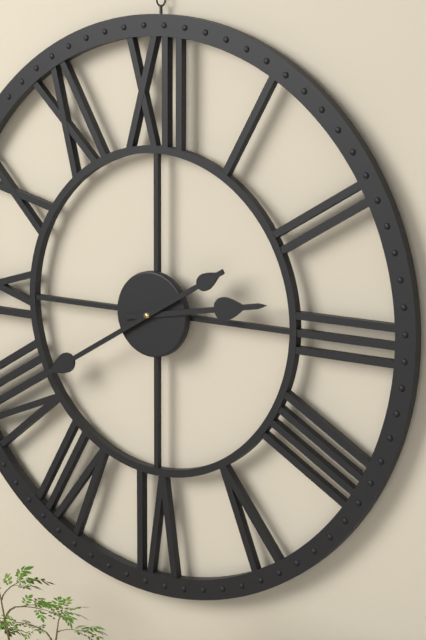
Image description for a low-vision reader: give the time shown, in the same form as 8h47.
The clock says 2h40
